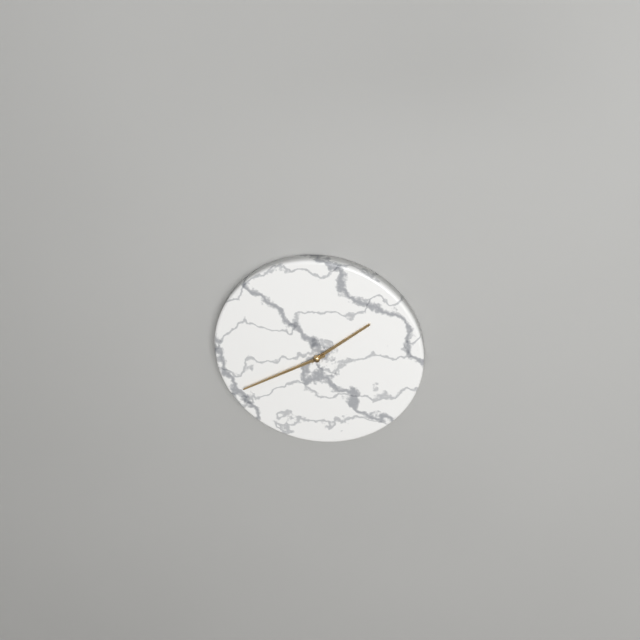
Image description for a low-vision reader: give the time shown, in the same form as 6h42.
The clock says 1h40
